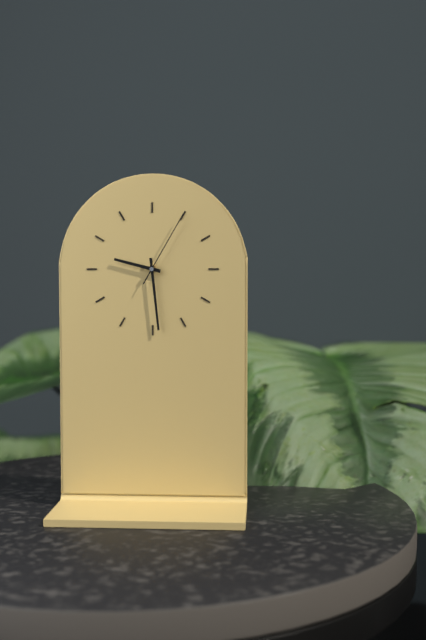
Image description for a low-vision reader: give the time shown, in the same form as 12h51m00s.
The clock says 9h29m05s
